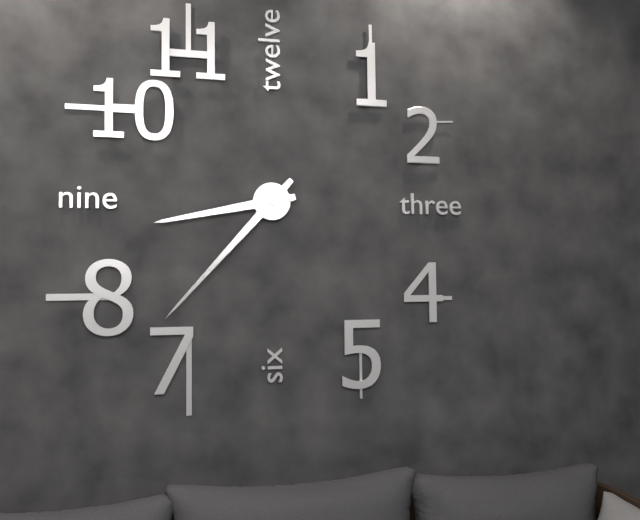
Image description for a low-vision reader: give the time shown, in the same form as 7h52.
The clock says 8h37
